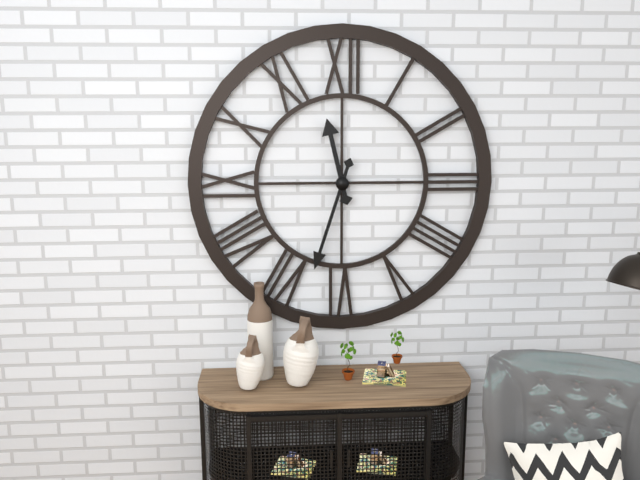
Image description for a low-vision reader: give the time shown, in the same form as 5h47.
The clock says 11h33
